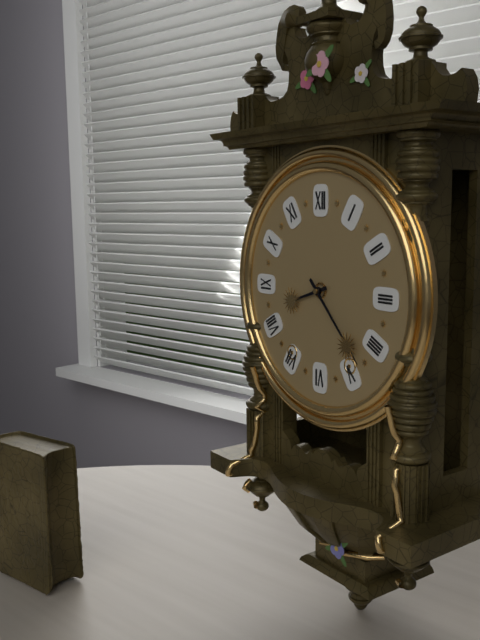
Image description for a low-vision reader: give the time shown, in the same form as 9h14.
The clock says 8h23
